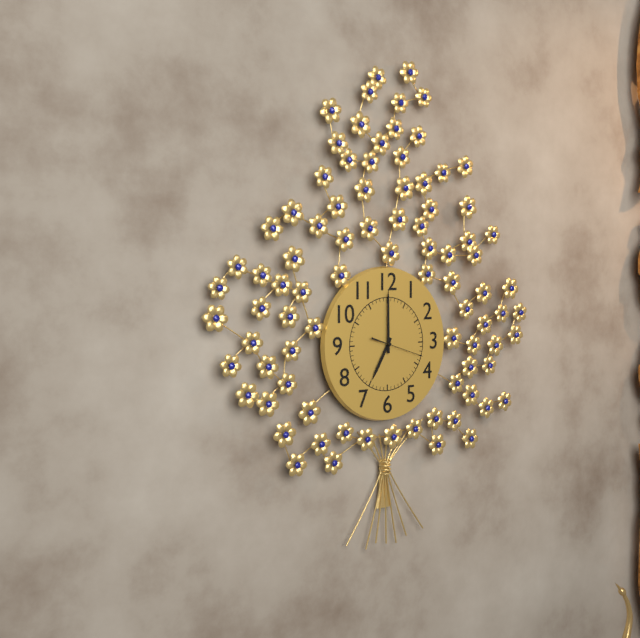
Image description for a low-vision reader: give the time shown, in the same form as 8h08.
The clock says 7h00
